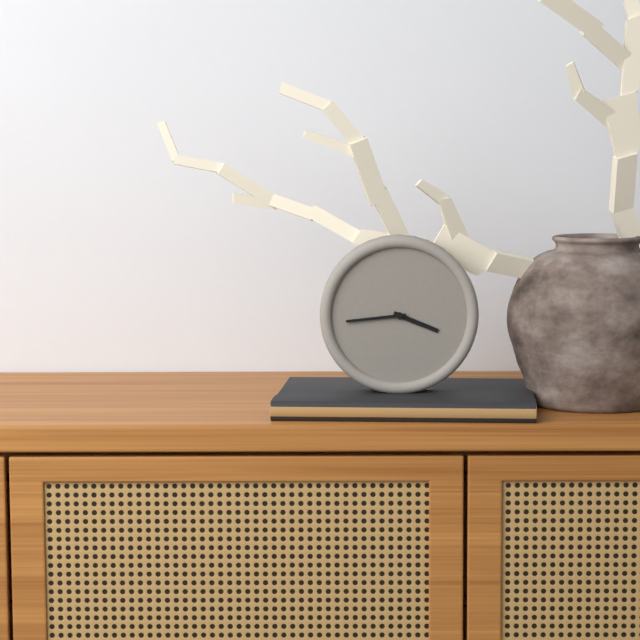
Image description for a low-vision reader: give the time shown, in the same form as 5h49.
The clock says 3h44
